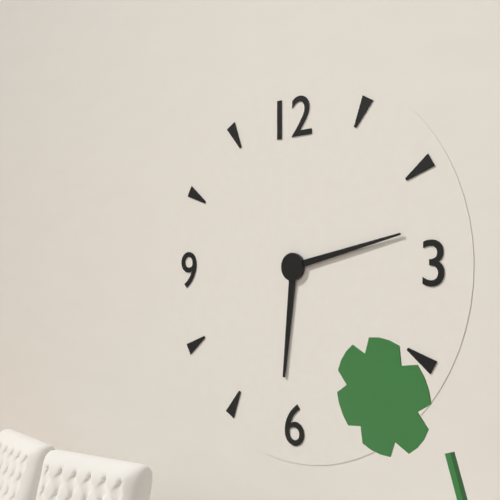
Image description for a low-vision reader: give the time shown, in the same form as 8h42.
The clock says 6h13
